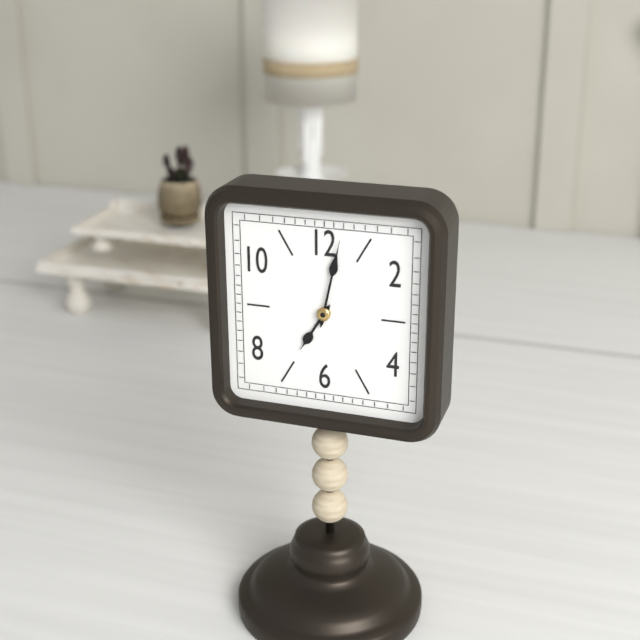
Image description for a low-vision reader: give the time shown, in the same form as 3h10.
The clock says 7h02
